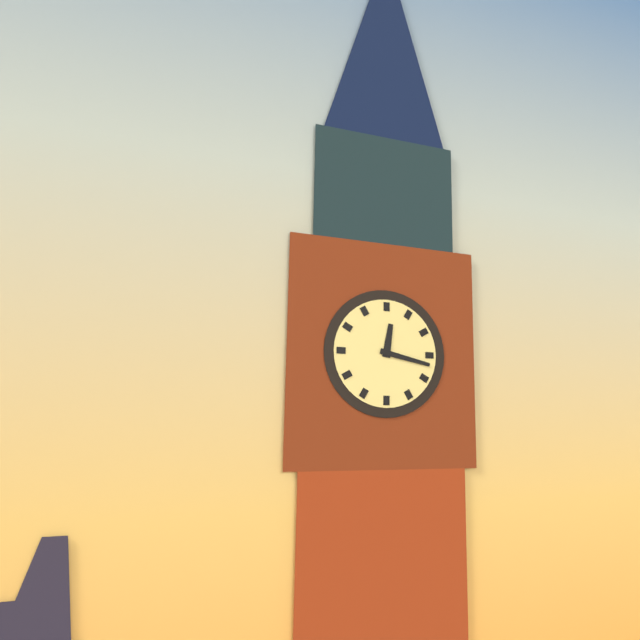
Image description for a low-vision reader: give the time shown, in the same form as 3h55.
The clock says 12h17
